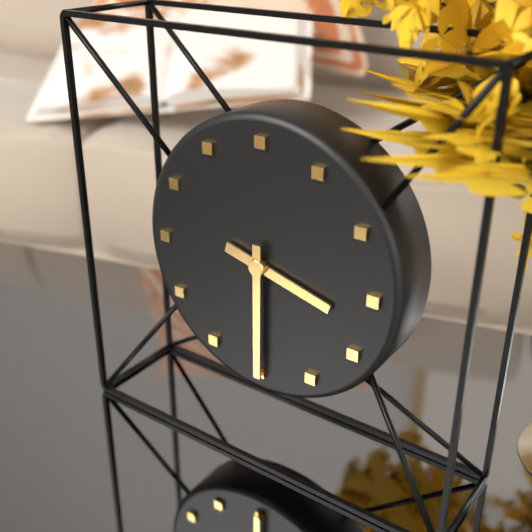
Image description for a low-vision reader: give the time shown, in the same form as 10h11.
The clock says 3h30
